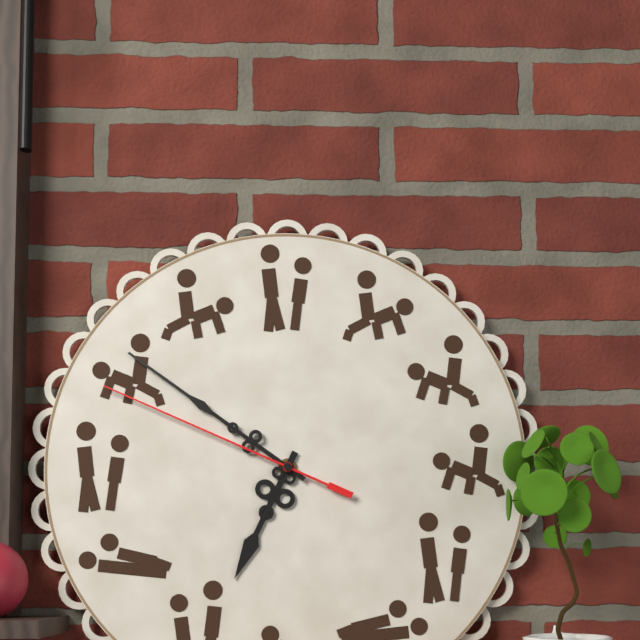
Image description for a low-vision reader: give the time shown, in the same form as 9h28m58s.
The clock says 6h51m49s
